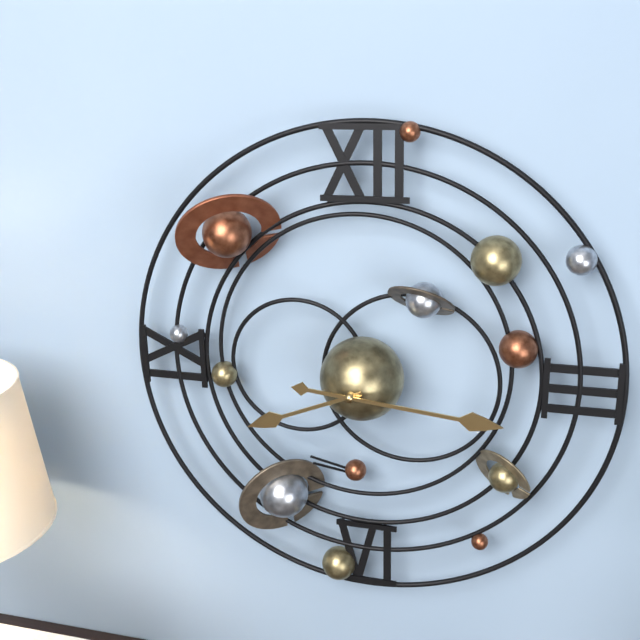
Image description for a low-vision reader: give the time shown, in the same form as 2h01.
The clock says 8h16
